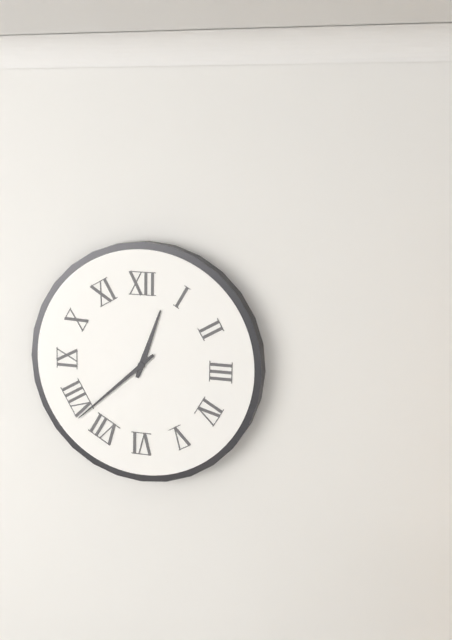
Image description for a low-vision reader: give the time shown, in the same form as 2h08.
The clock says 12h38
